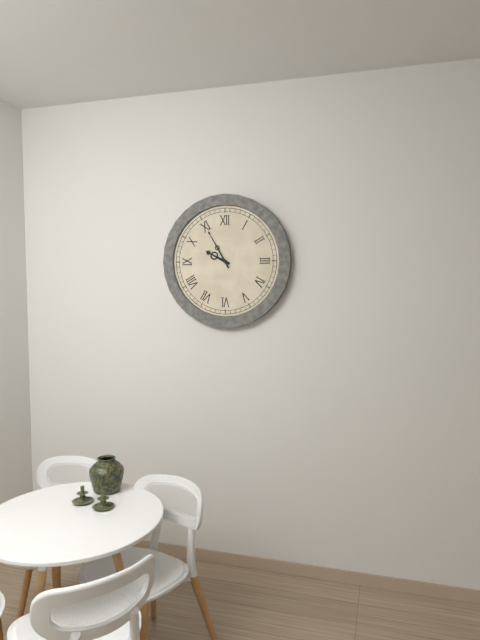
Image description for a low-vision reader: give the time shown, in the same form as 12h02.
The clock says 9h55
